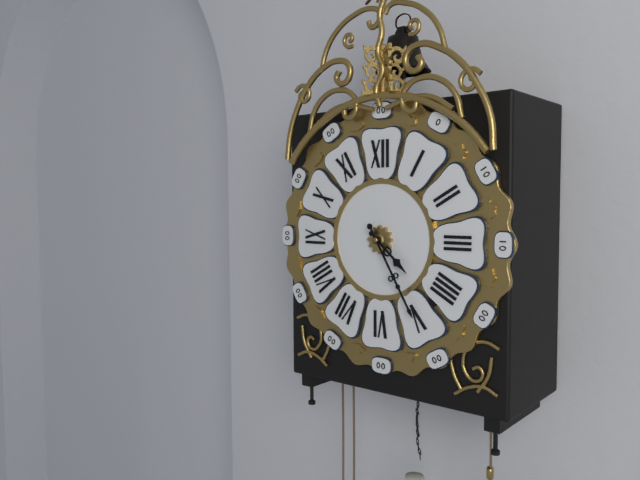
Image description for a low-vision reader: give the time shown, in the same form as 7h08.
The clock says 4h25
